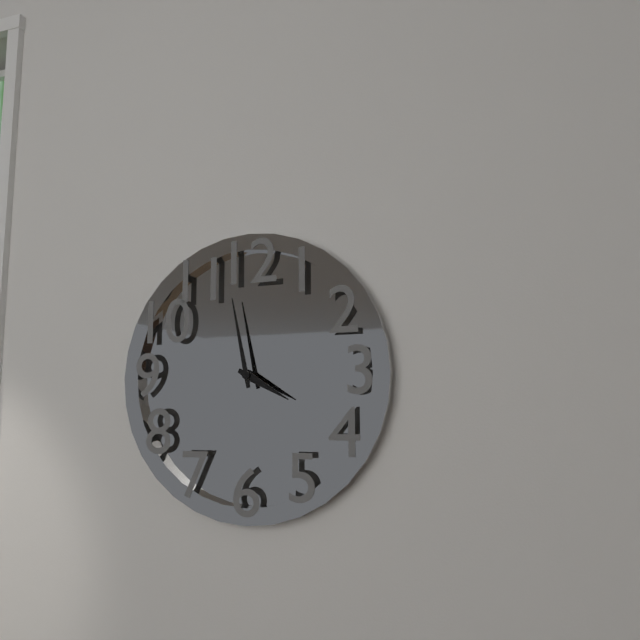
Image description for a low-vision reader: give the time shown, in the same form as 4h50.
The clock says 3h58
